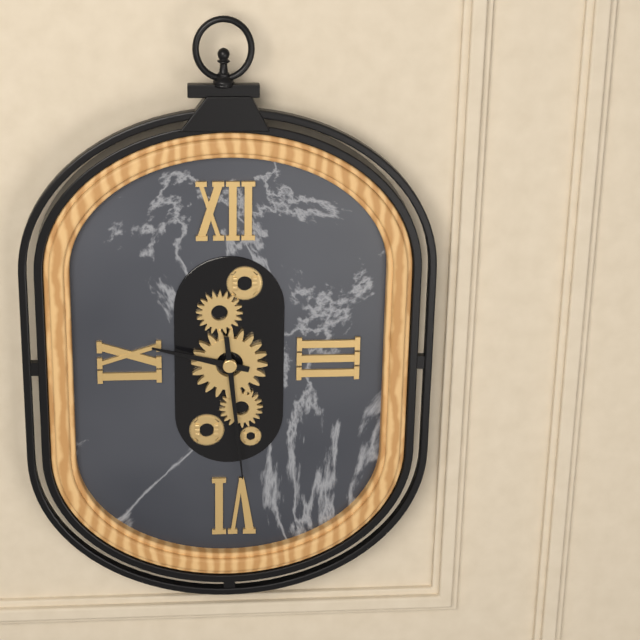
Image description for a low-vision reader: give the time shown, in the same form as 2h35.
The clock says 9h29
